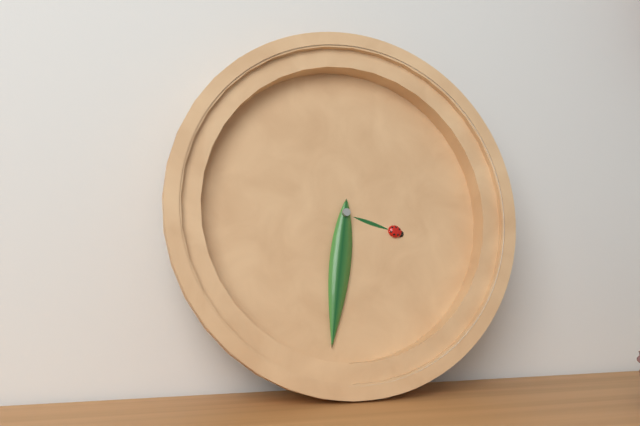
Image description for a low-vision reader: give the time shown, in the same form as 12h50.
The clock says 3h31
